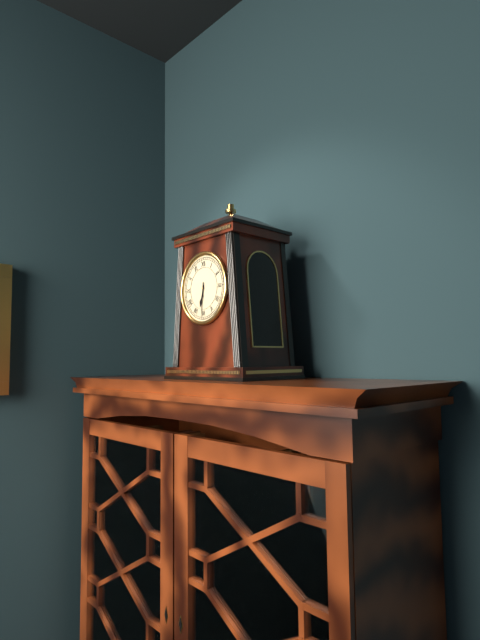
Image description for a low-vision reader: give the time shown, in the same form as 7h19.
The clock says 6h31
